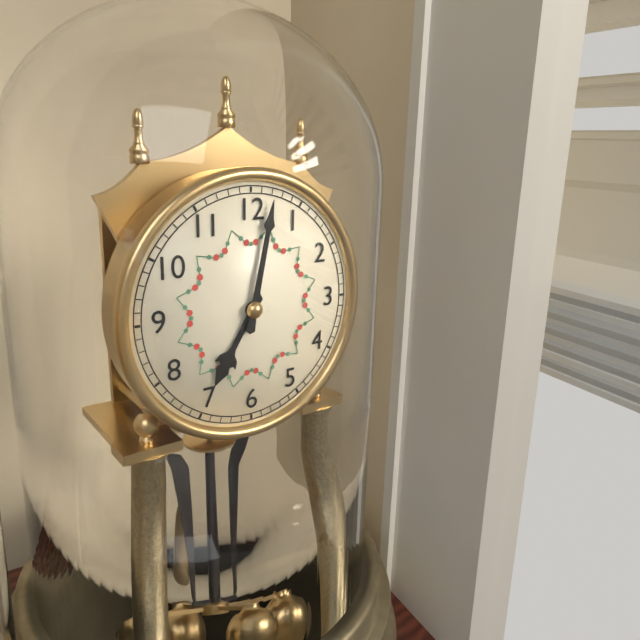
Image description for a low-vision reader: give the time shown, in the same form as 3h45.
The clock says 7h02
